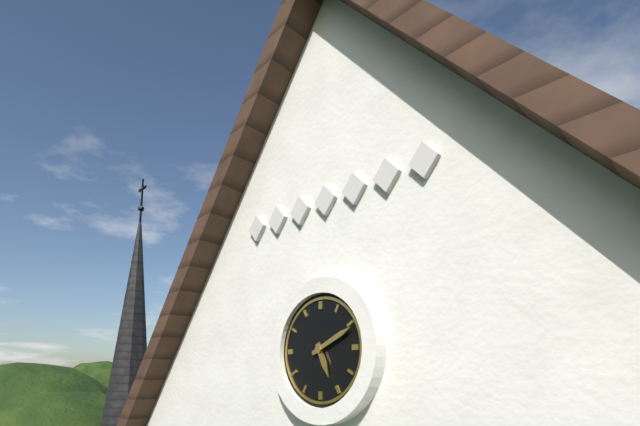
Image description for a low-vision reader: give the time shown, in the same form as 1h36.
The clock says 5h11
